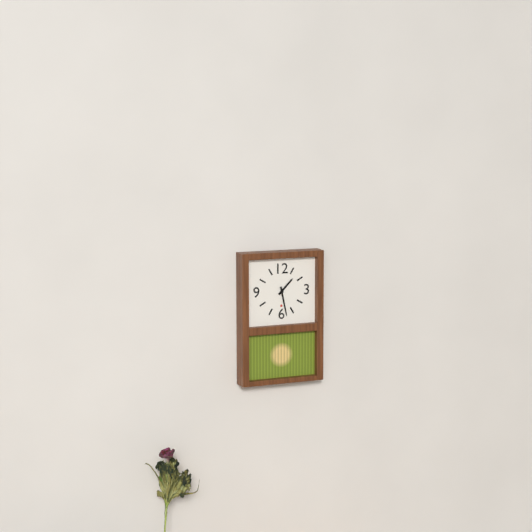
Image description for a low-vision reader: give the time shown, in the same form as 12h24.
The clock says 1h28
